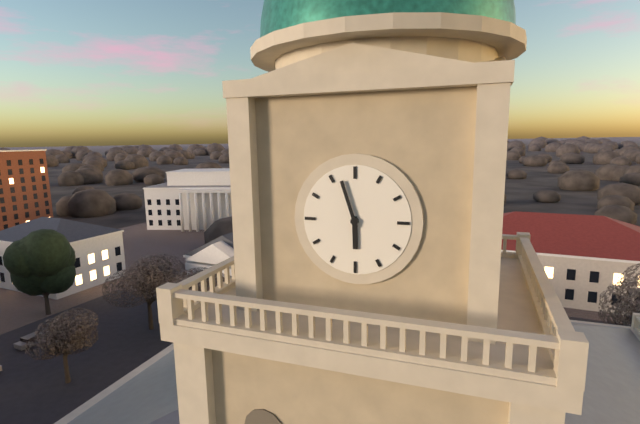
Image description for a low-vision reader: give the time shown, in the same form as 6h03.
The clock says 5h57
